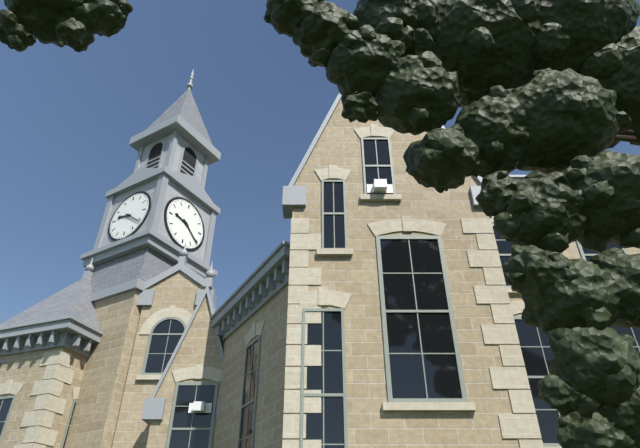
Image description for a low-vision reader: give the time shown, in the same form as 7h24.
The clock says 9h21
